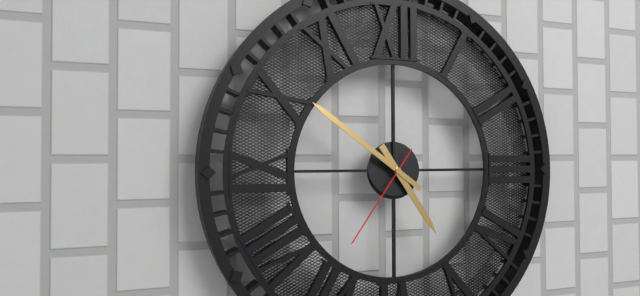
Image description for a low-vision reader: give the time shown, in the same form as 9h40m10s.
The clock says 4h51m36s
